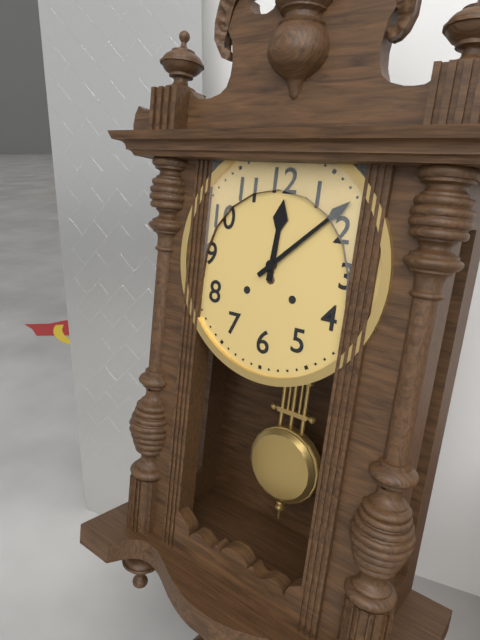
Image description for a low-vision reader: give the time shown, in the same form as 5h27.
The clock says 12h08
